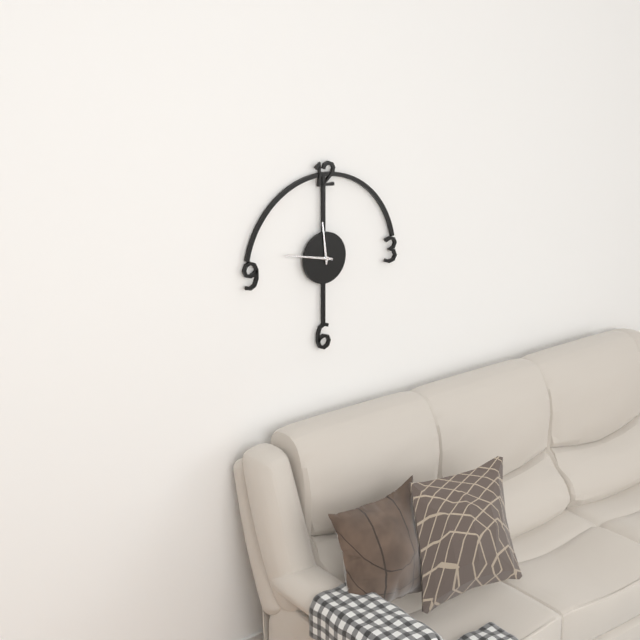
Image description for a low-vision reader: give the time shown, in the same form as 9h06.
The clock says 11h47
